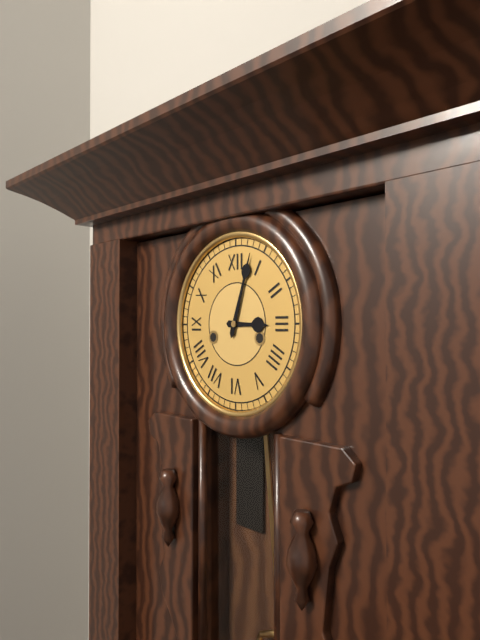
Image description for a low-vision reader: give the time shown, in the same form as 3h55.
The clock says 3h03
